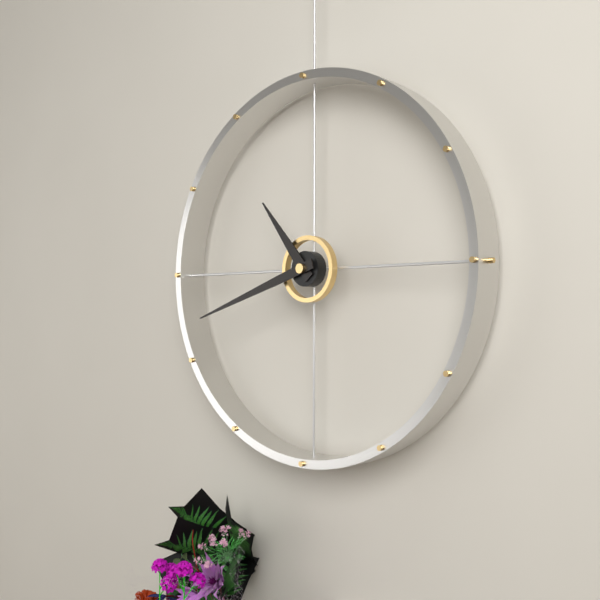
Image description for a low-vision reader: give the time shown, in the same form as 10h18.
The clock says 10h42
